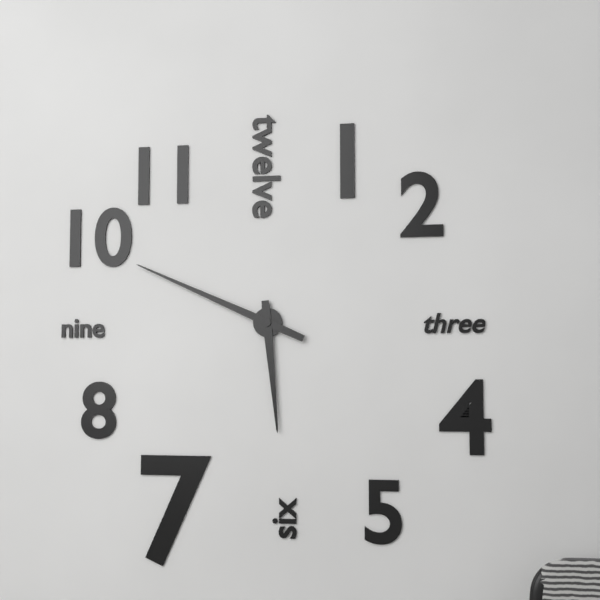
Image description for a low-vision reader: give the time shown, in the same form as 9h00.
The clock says 5h49
